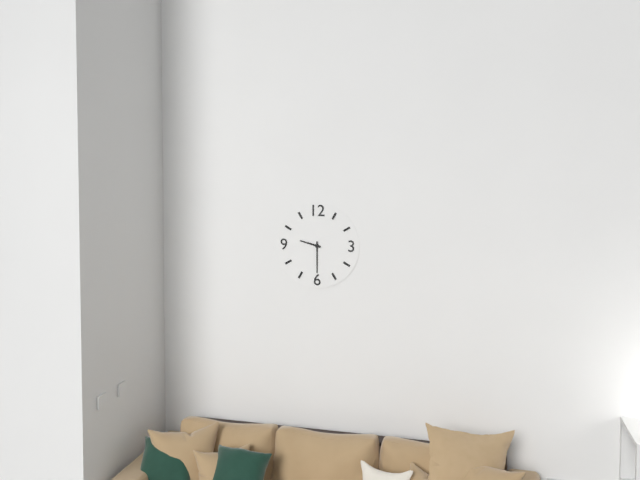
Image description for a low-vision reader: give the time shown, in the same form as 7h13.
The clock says 9h30
